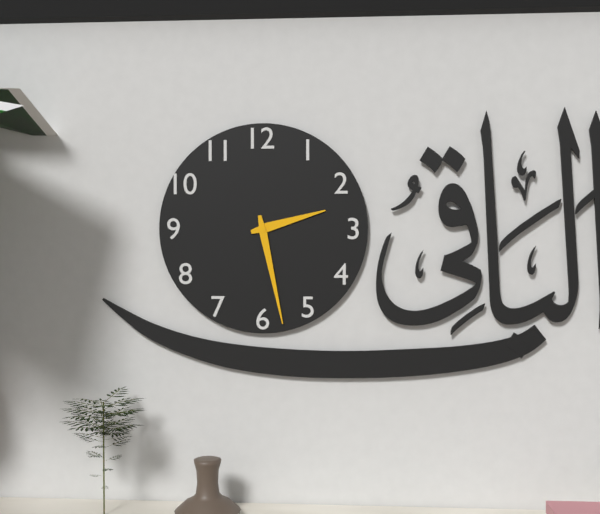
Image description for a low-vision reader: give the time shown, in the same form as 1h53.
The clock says 2h28
